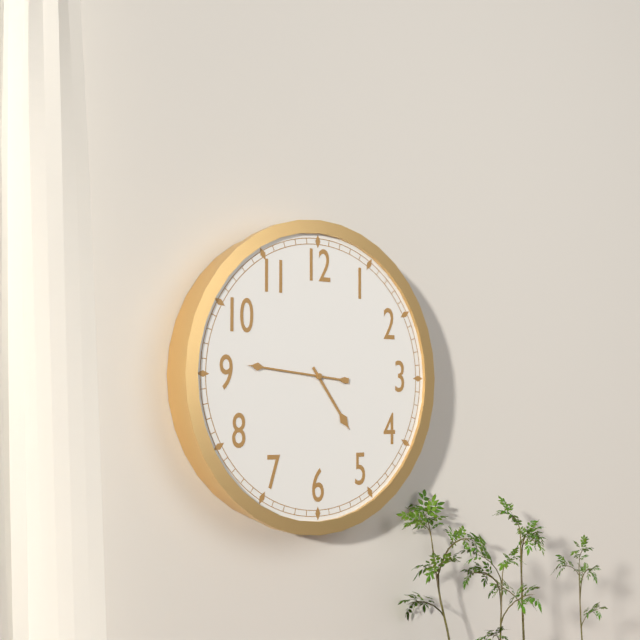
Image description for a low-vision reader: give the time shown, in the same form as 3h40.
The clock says 4h46
